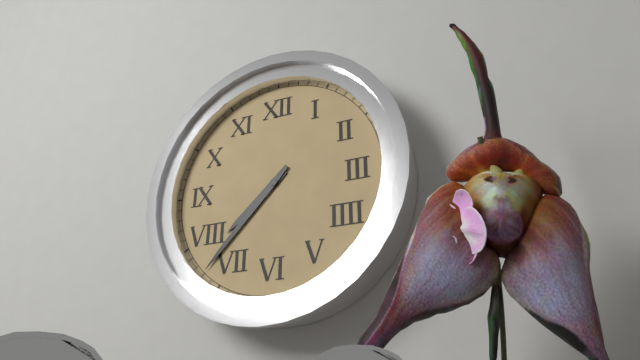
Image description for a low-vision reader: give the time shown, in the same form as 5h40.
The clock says 7h37
